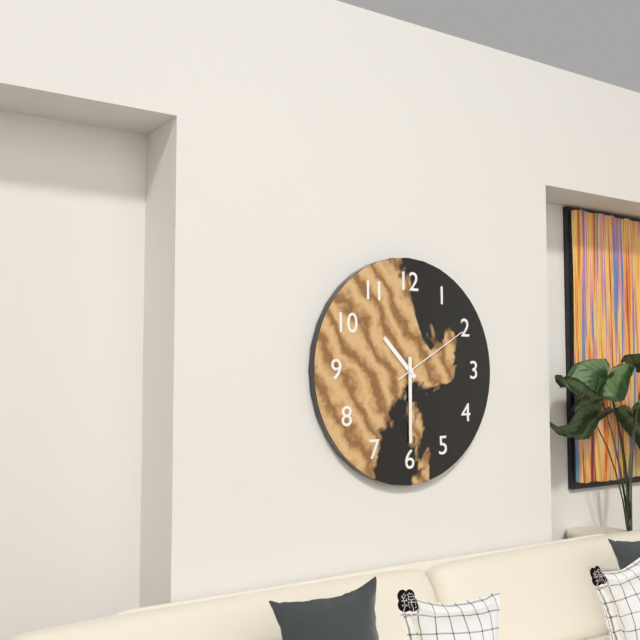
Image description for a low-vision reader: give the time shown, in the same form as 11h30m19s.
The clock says 10h30m10s
